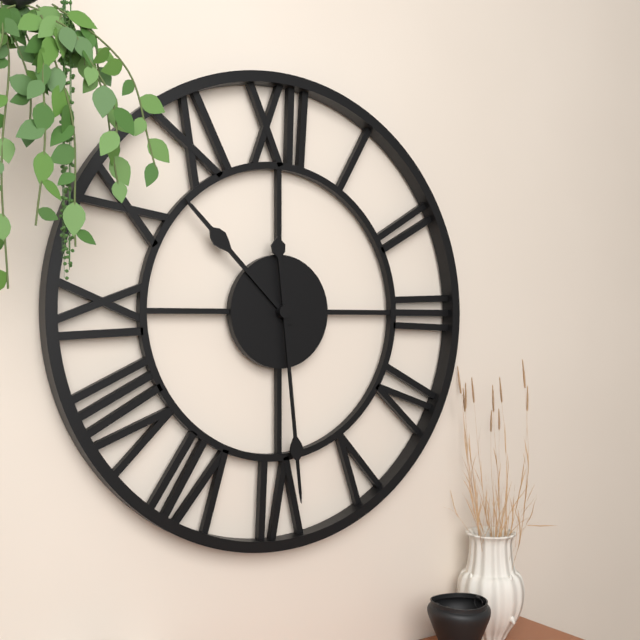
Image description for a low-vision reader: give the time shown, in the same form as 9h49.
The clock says 10h29
